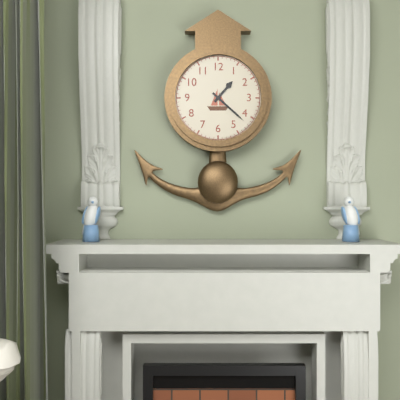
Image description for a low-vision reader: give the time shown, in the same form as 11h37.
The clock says 1h22
